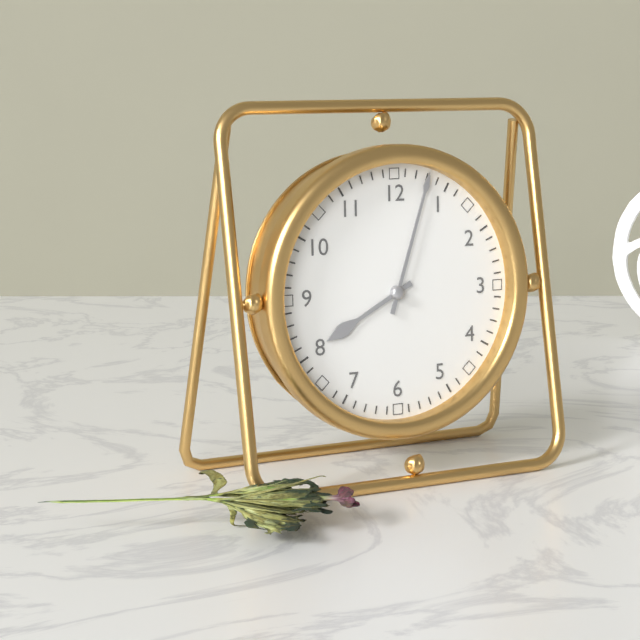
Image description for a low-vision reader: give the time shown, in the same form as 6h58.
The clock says 8h03
